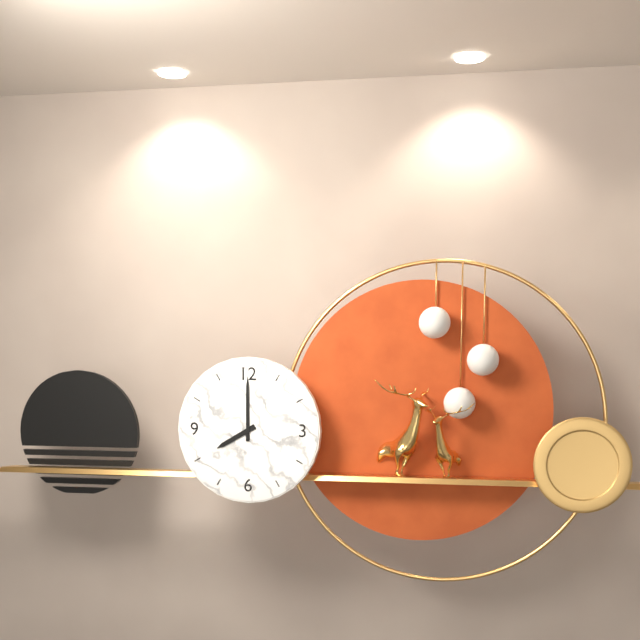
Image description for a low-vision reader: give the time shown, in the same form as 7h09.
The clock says 8h00
